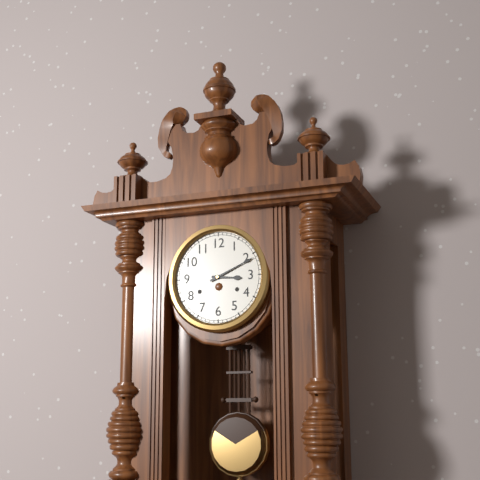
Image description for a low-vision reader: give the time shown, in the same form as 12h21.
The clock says 3h11
